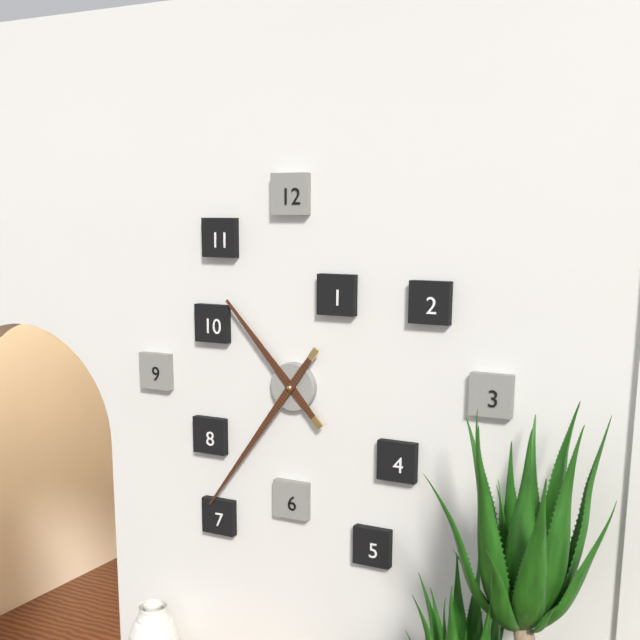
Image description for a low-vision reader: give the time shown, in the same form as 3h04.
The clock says 10h36
